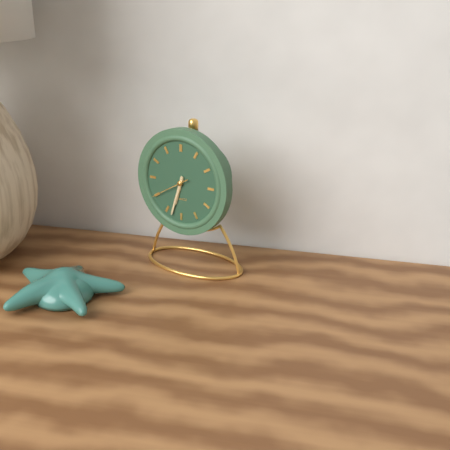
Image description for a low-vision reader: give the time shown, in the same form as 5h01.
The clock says 6h33
